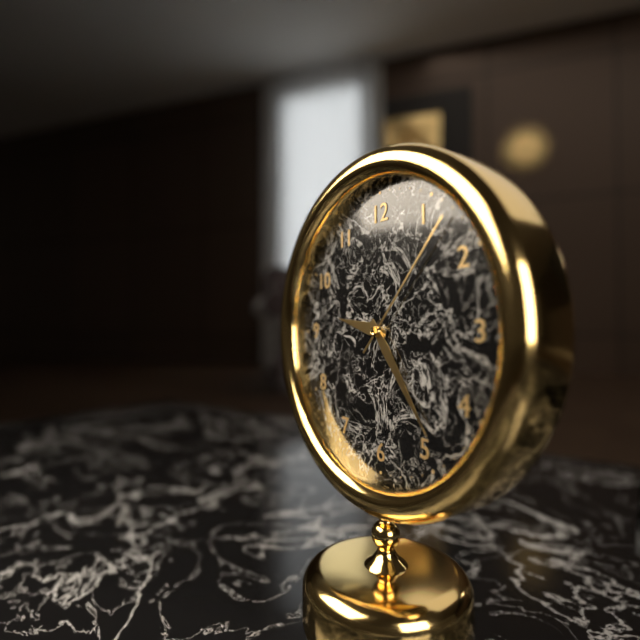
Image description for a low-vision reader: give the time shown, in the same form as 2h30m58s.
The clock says 9h24m07s
